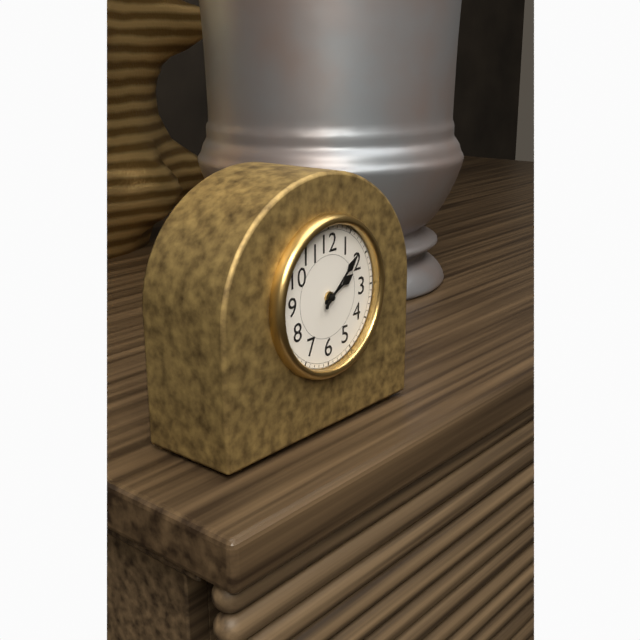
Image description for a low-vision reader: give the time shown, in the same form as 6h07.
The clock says 2h08
